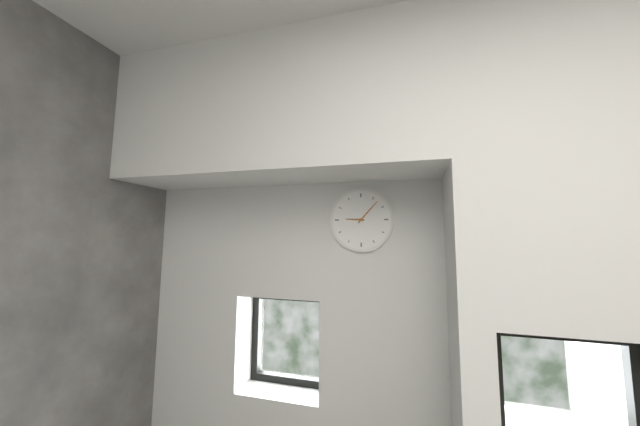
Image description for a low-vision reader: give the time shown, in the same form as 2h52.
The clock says 9h07
